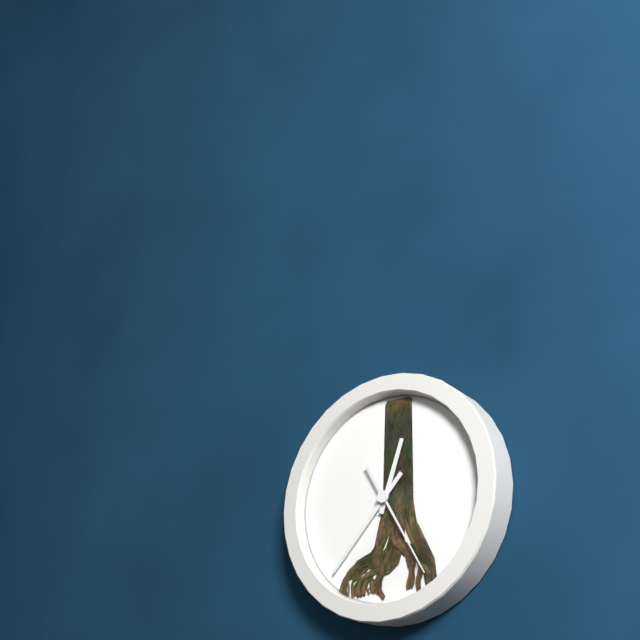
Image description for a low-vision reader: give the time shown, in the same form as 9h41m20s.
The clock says 12h37m25s
